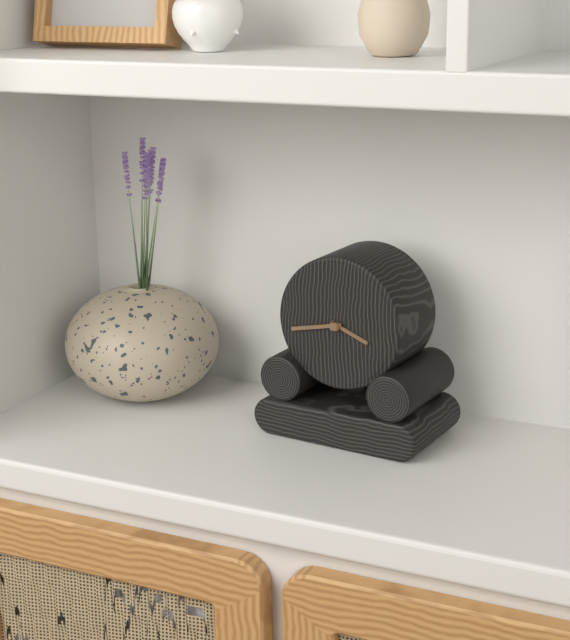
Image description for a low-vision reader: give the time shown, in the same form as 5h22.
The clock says 3h43
